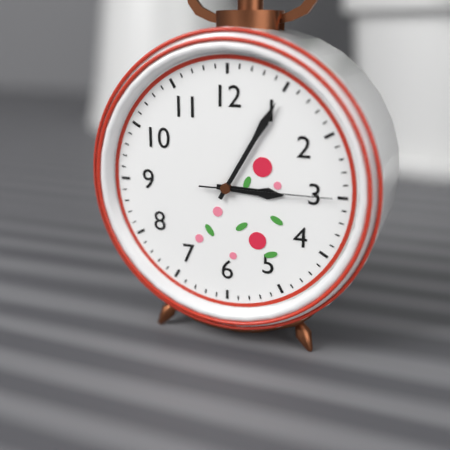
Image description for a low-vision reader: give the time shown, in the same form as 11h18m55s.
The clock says 3h05m15s
